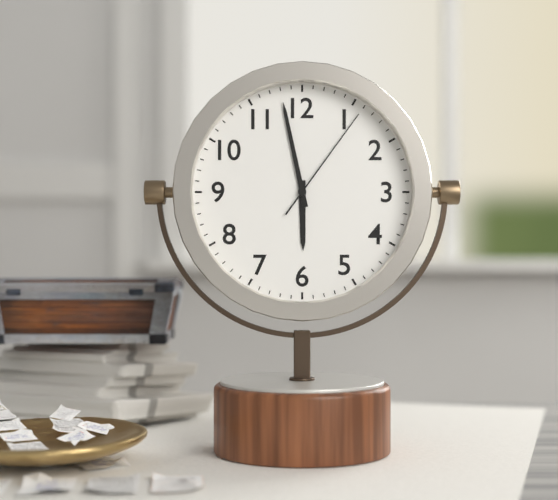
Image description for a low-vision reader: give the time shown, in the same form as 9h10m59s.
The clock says 5h58m06s
